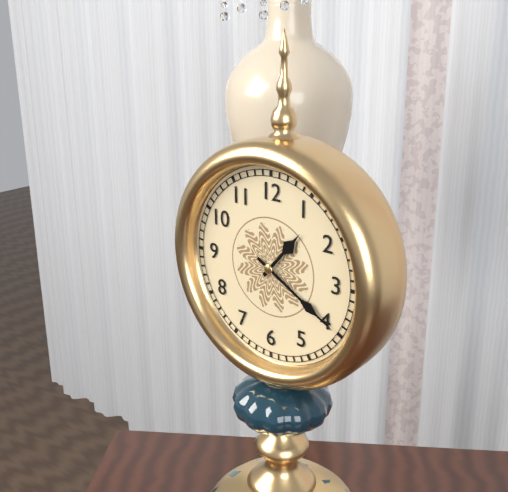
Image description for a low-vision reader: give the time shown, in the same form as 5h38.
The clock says 1h20
